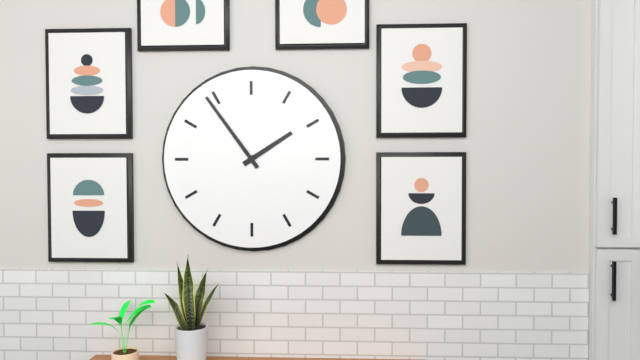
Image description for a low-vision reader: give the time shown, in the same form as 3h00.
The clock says 1h54
